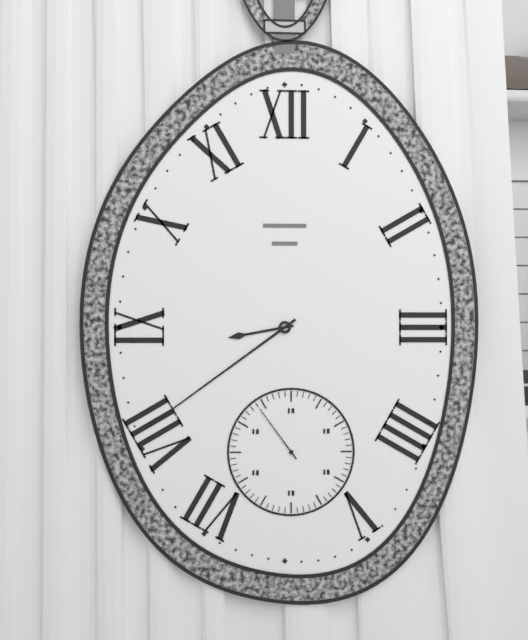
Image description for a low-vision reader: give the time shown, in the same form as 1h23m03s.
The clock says 8h39m54s
